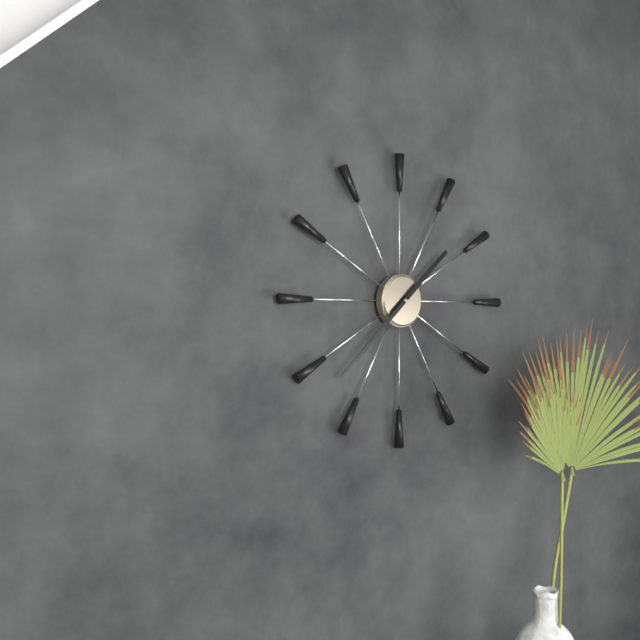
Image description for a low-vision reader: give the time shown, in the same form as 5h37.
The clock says 1h38
